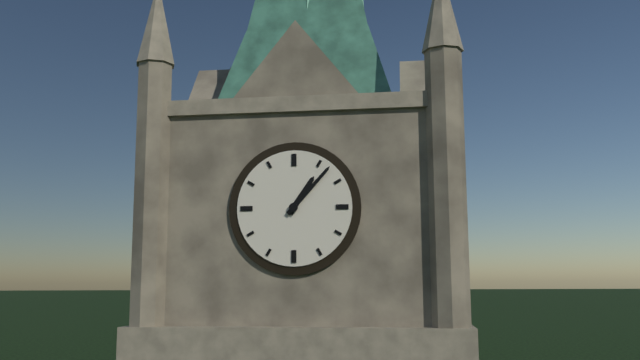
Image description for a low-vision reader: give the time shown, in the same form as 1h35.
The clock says 1h07
